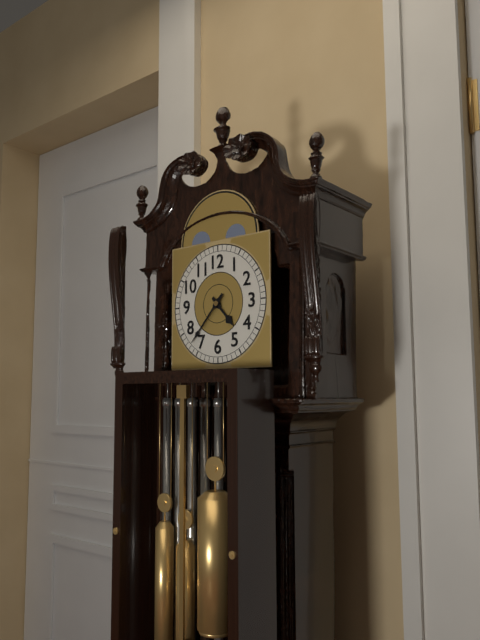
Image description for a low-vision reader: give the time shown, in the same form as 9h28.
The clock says 4h37
